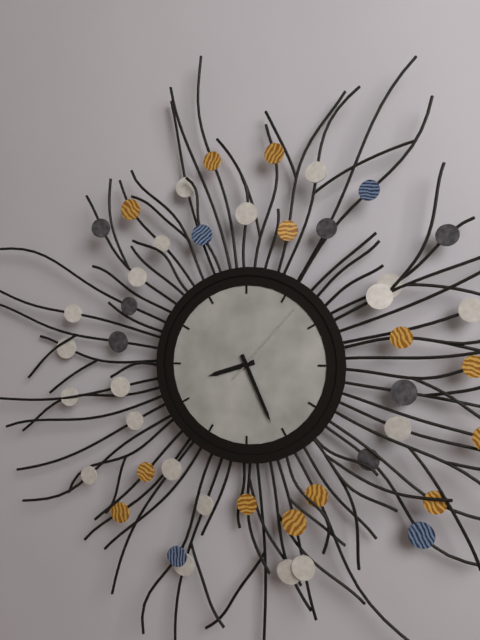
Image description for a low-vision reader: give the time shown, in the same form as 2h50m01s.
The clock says 8h26m07s
